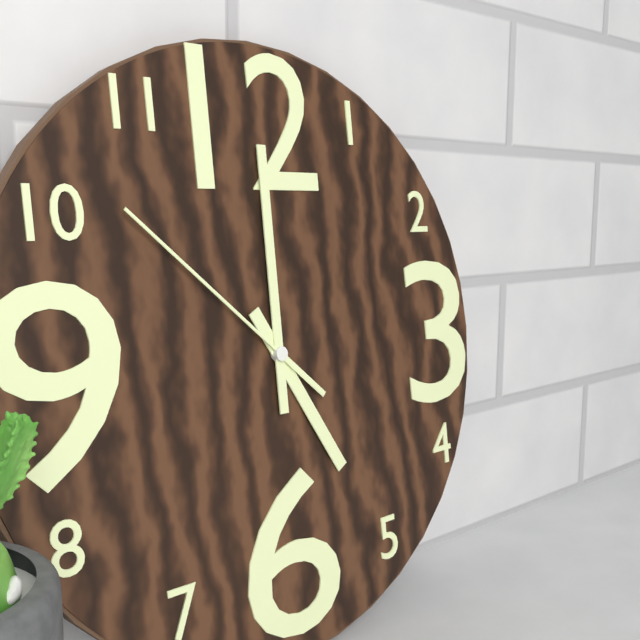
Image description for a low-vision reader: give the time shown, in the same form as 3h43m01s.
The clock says 5h00m52s
